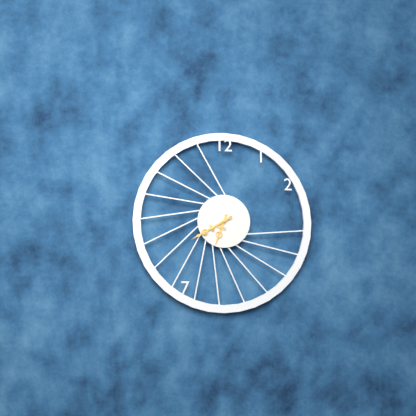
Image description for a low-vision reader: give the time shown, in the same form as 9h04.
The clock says 6h40
